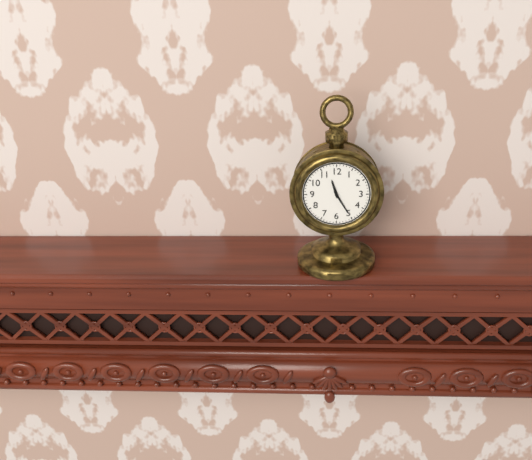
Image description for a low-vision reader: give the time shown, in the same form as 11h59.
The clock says 11h25
